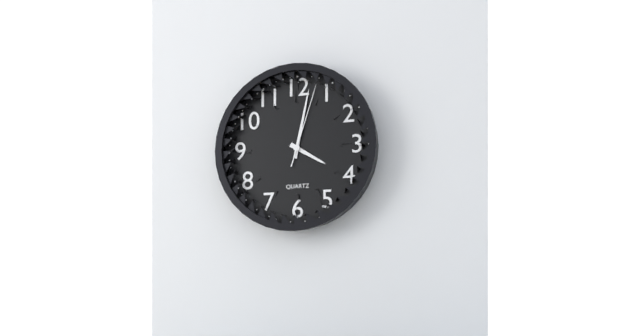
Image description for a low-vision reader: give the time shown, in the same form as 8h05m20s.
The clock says 4h02m03s
